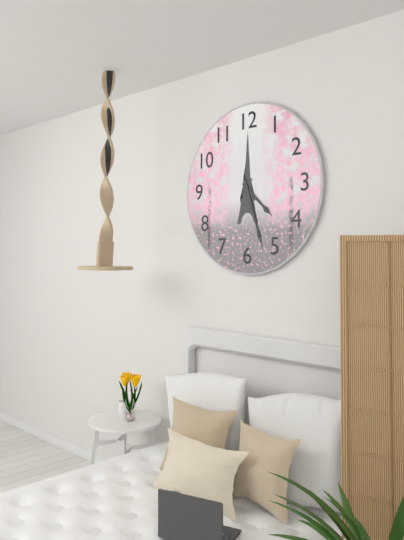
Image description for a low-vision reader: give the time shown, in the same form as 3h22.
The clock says 4h27
